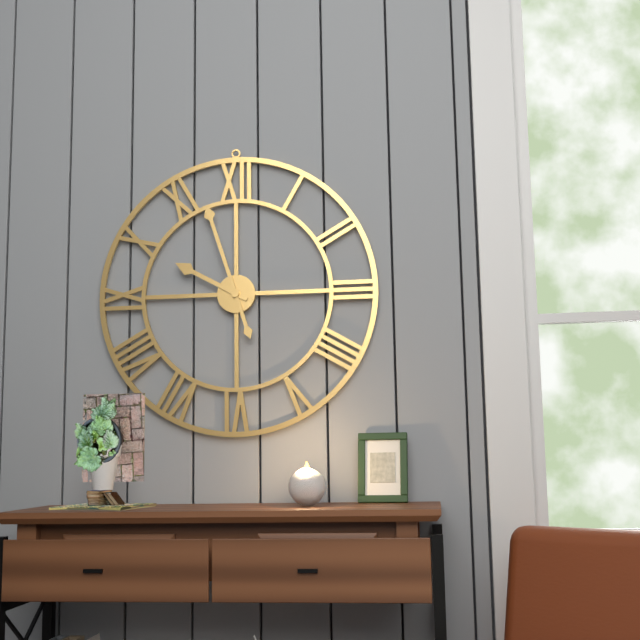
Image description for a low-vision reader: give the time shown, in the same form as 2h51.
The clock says 9h57
